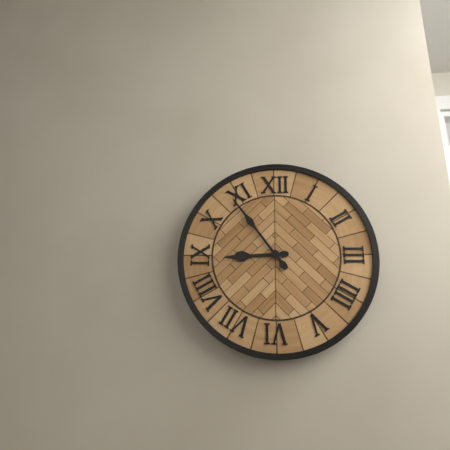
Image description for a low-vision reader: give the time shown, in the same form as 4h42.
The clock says 8h54
